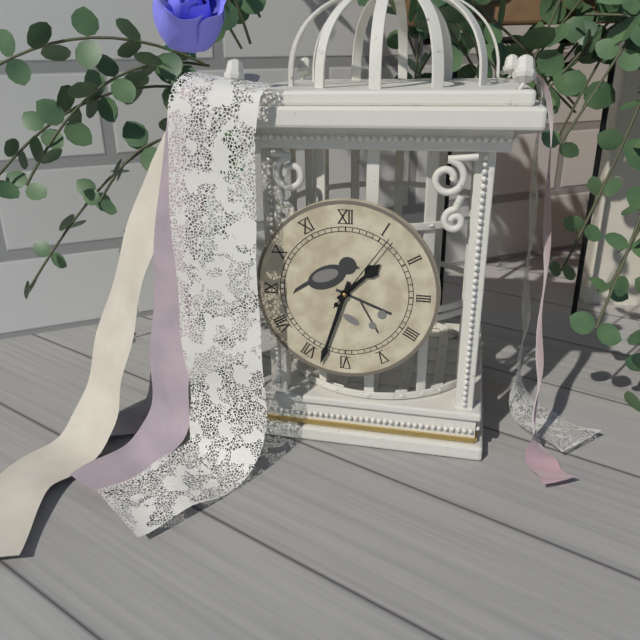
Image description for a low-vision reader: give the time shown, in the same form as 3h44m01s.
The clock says 1h33m06s
